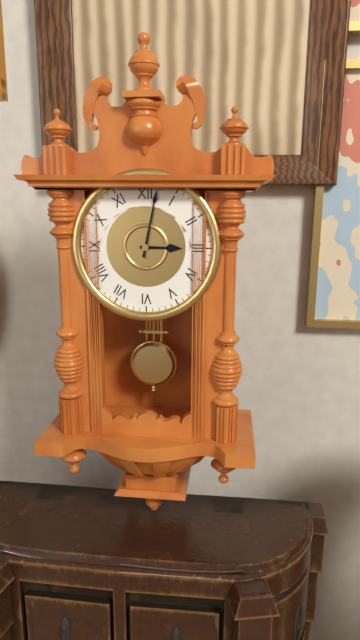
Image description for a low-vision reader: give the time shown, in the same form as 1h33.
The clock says 3h02
